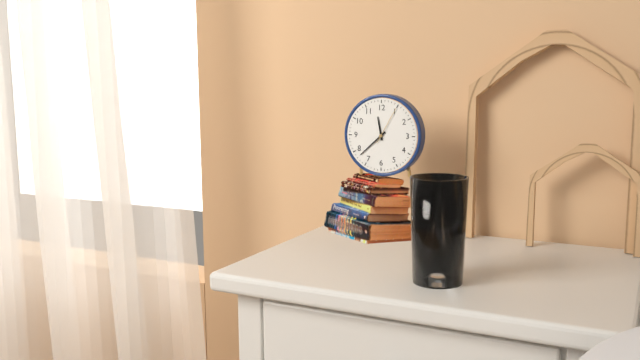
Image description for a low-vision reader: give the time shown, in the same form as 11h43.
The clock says 11h38
